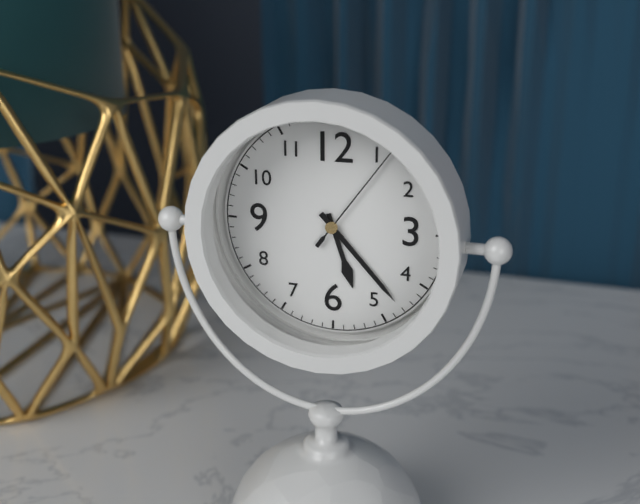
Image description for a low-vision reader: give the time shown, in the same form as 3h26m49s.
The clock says 5h23m06s
